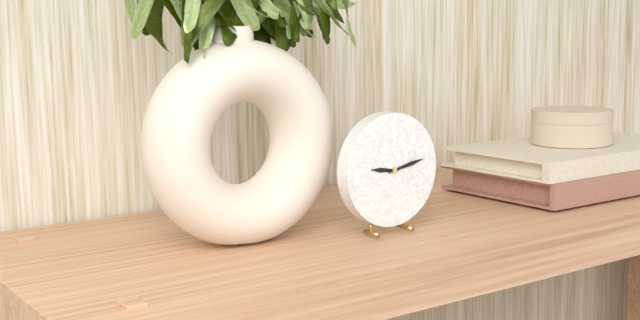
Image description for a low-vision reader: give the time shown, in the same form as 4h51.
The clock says 9h13
